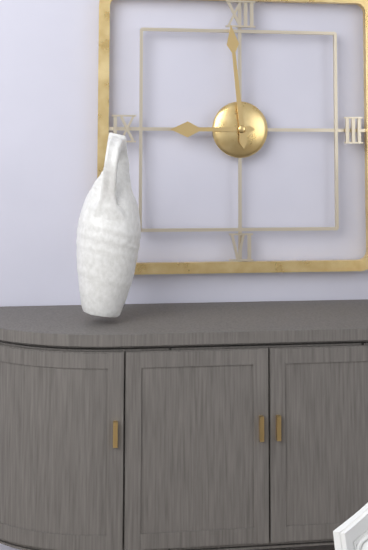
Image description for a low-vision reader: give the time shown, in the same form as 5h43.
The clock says 8h59
